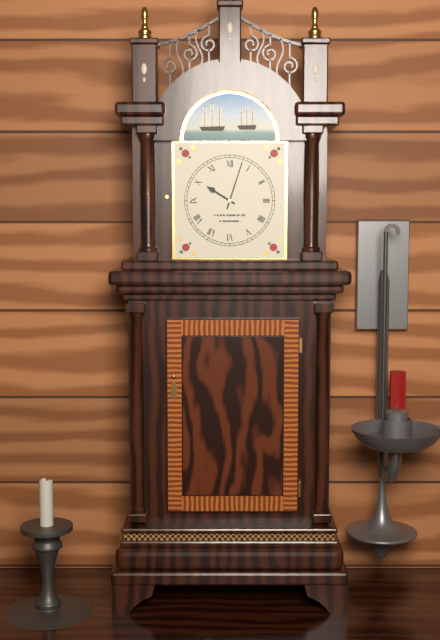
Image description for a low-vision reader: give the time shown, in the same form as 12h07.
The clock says 10h03
